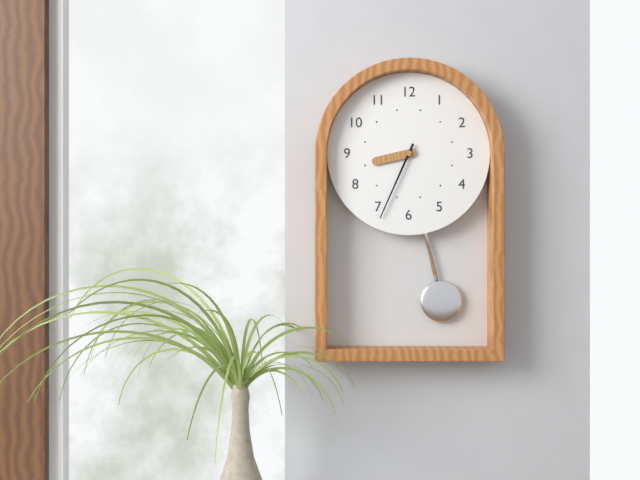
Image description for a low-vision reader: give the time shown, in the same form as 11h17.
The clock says 8h34
